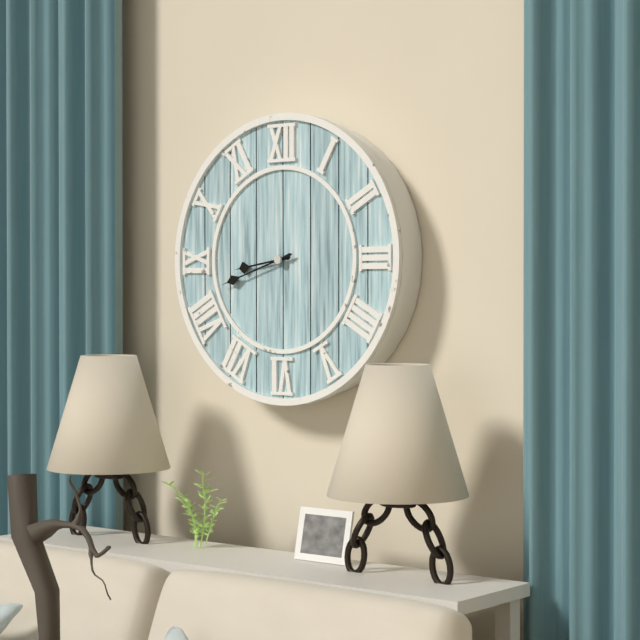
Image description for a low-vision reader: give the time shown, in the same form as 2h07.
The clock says 8h42
